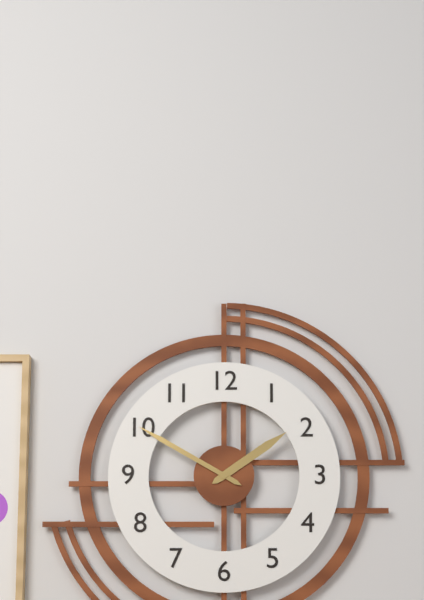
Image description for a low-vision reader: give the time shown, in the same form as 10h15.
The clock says 1h50
